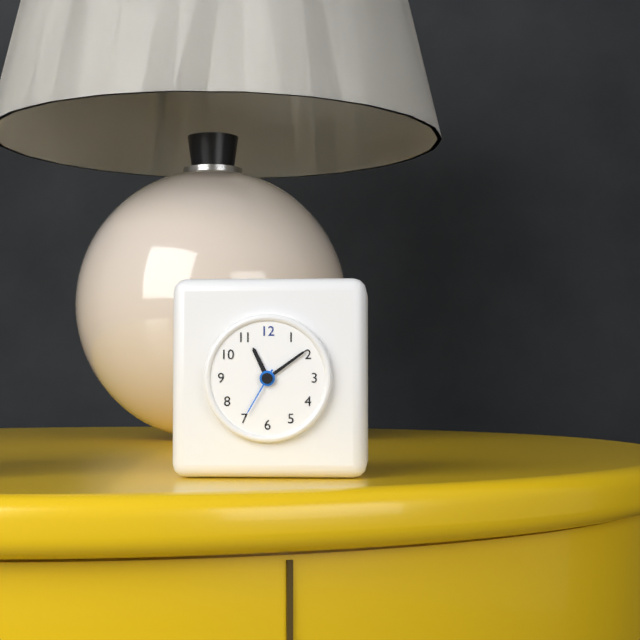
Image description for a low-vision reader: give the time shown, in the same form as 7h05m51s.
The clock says 11h09m35s
